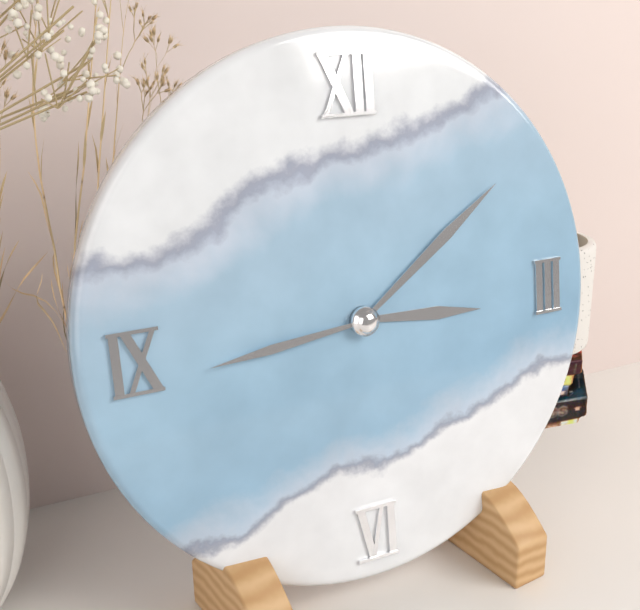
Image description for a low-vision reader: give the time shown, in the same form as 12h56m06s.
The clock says 3h09m44s
